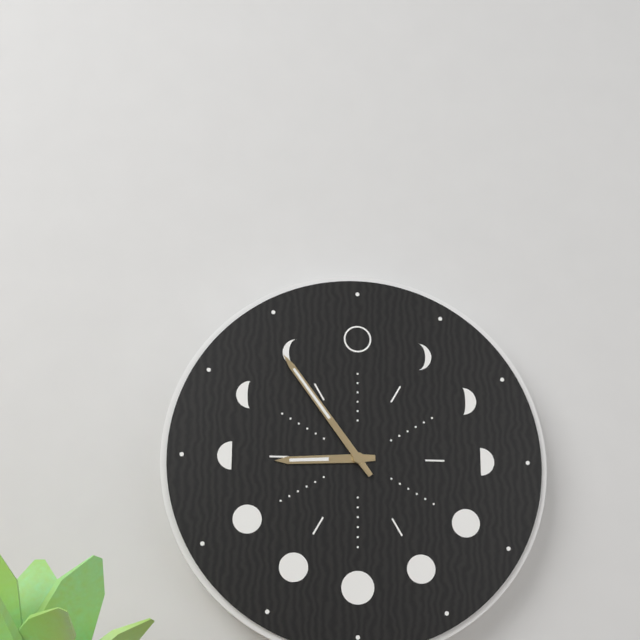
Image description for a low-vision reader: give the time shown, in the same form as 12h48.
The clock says 8h54
